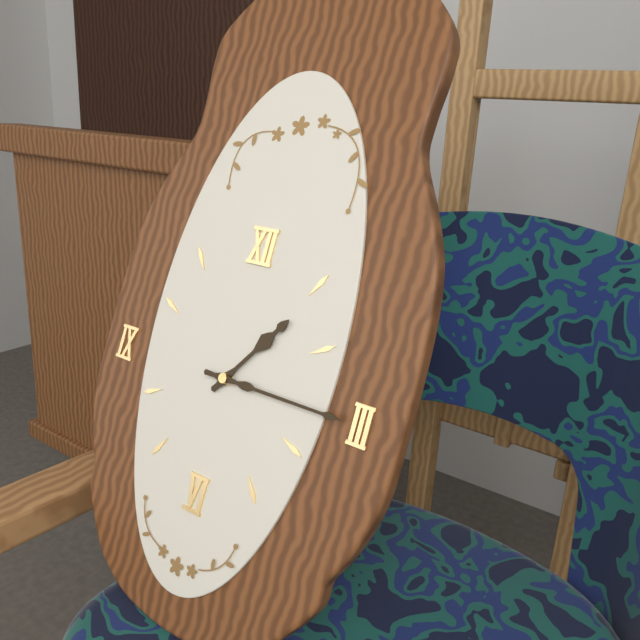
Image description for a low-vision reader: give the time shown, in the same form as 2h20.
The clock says 1h15
